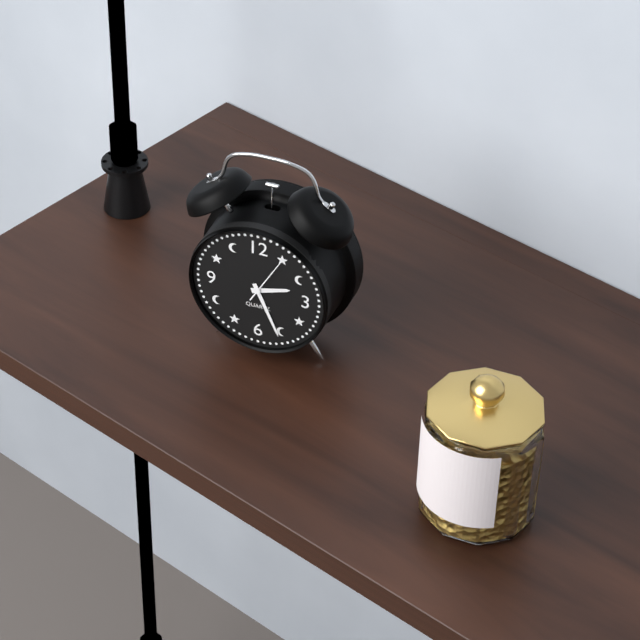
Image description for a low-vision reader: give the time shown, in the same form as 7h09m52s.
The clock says 2h26m05s
